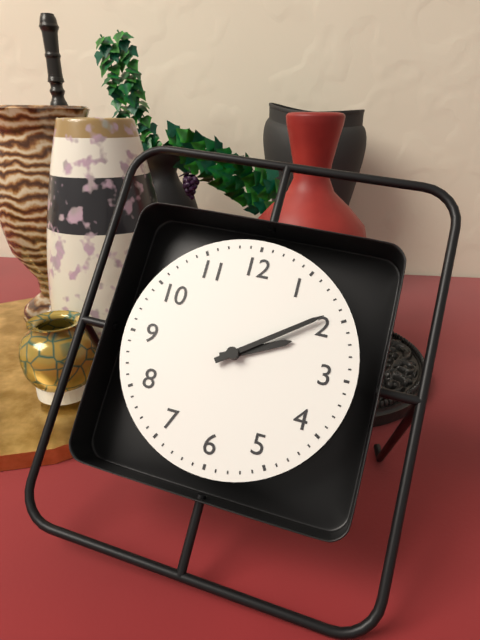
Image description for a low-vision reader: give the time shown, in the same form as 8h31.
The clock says 2h09
